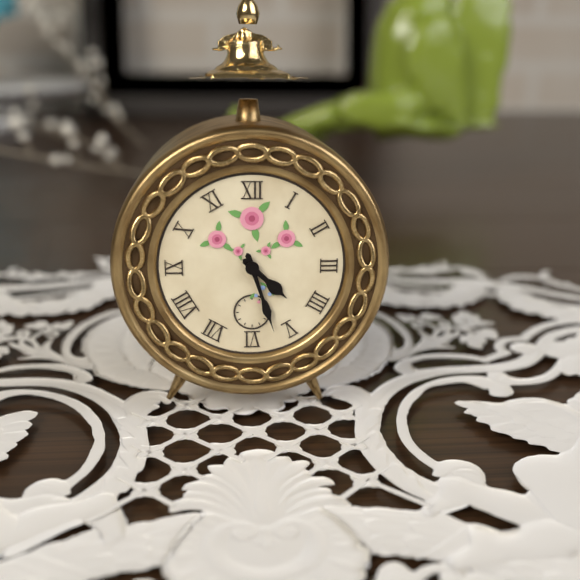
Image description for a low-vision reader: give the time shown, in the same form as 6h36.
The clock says 4h27
